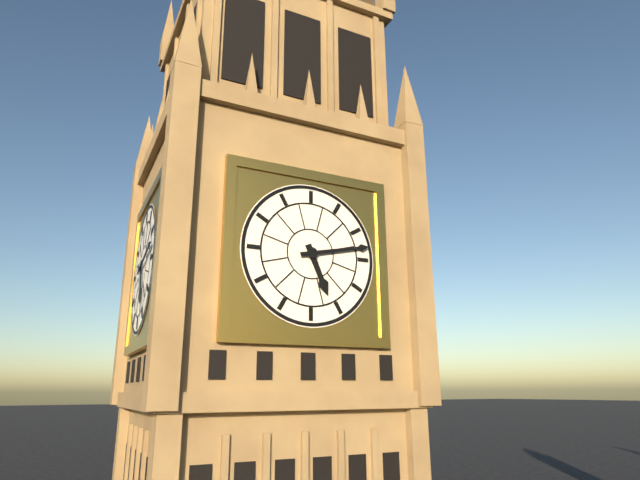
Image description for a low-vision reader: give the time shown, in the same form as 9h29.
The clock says 5h13
